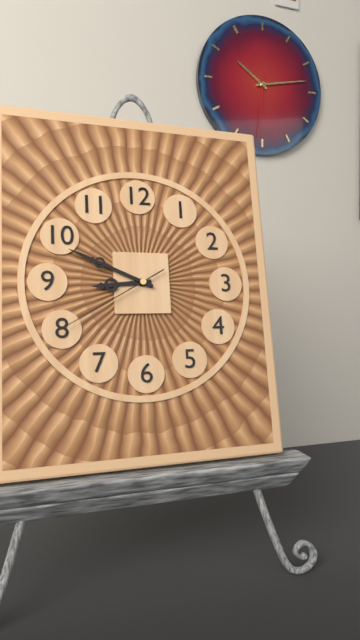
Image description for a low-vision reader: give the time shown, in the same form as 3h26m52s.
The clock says 8h49m40s
